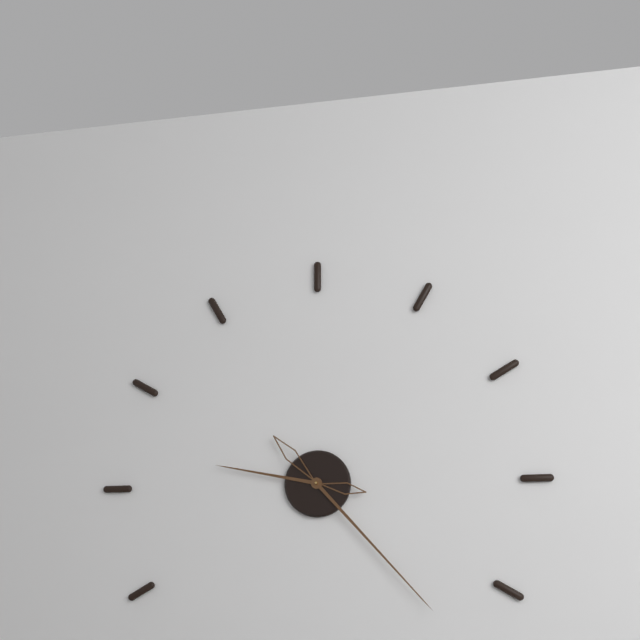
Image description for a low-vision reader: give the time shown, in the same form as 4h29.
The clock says 9h23
